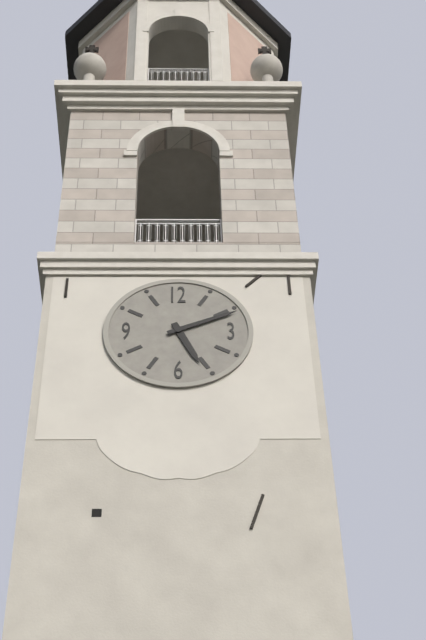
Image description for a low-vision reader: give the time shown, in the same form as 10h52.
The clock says 5h11
